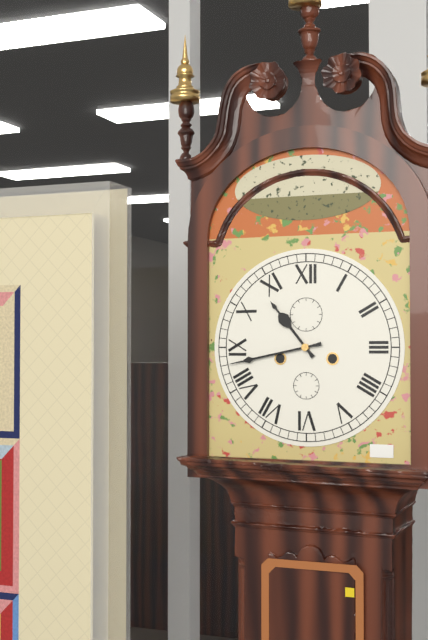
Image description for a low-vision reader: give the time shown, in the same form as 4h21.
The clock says 10h43
